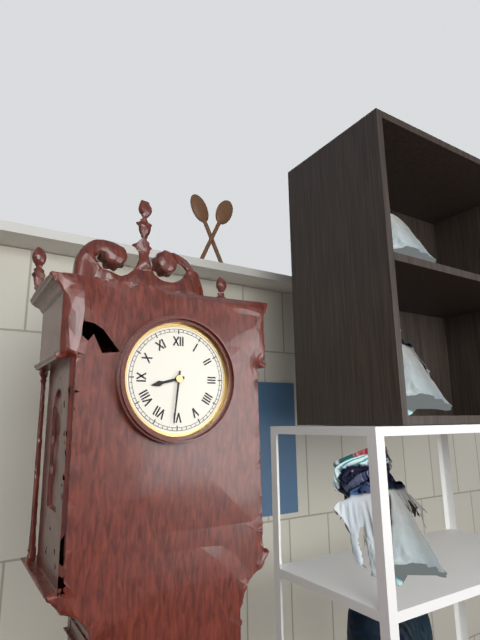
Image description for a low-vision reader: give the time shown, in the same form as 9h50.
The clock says 8h31
